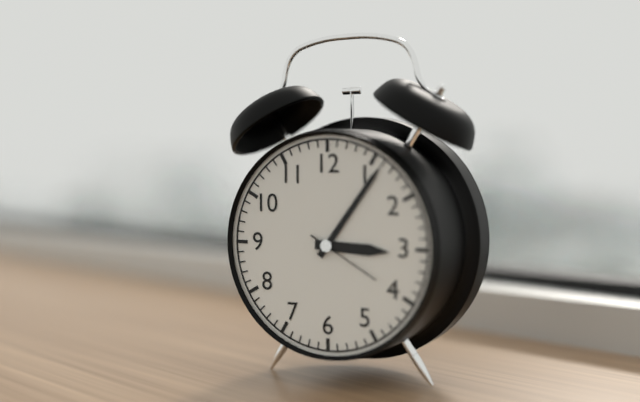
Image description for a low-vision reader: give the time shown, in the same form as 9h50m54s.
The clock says 3h06m20s
